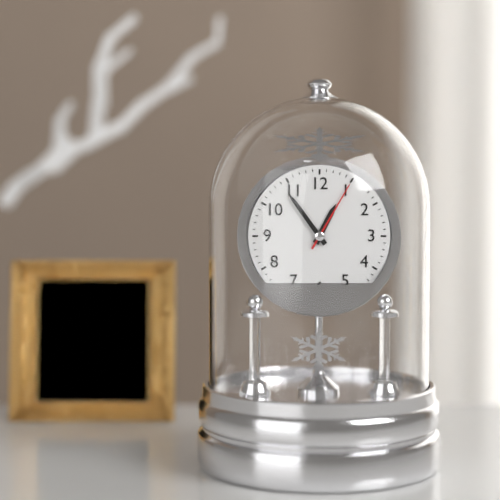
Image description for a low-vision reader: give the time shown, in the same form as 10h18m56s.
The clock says 12h54m05s
